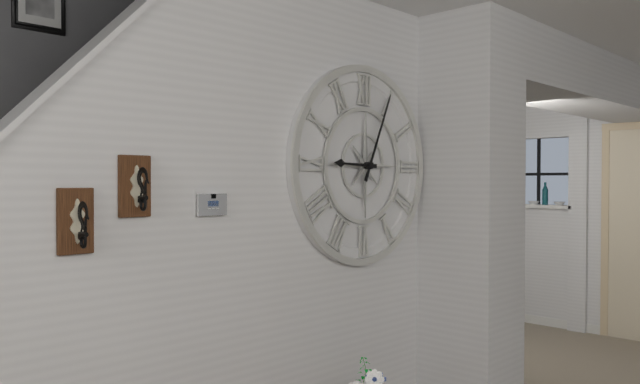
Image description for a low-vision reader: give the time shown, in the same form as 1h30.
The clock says 9h04
